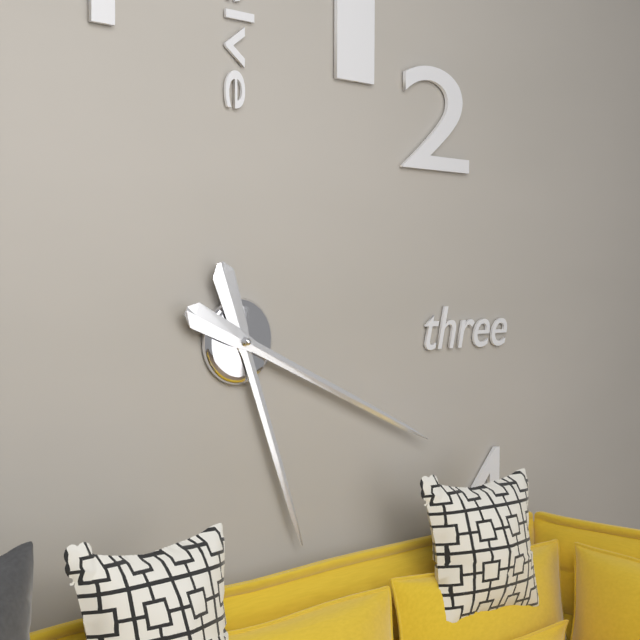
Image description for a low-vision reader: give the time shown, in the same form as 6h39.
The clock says 5h19
